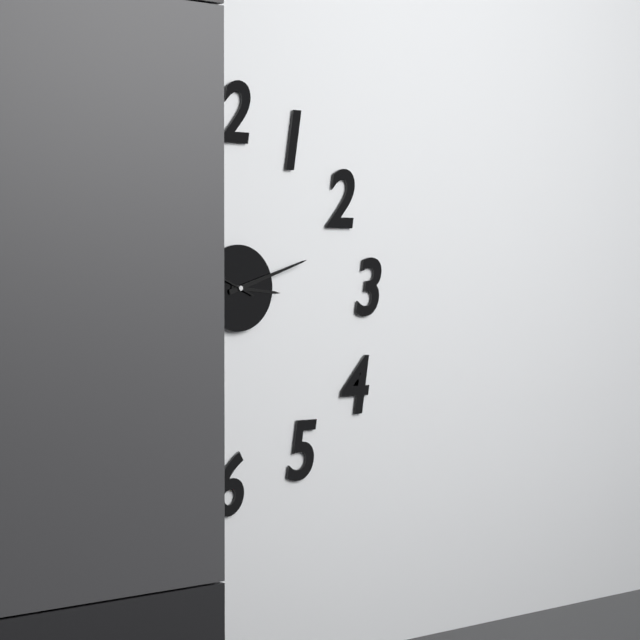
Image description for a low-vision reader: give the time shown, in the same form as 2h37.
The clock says 3h12
